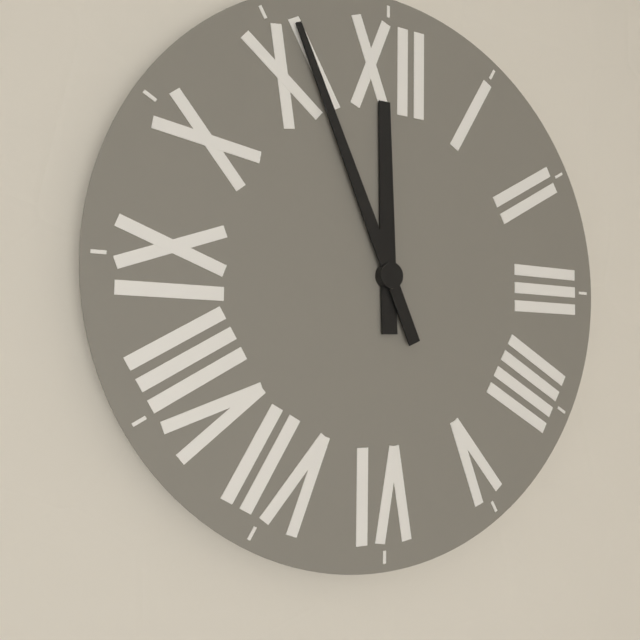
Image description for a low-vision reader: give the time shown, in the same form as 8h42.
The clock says 11h56
